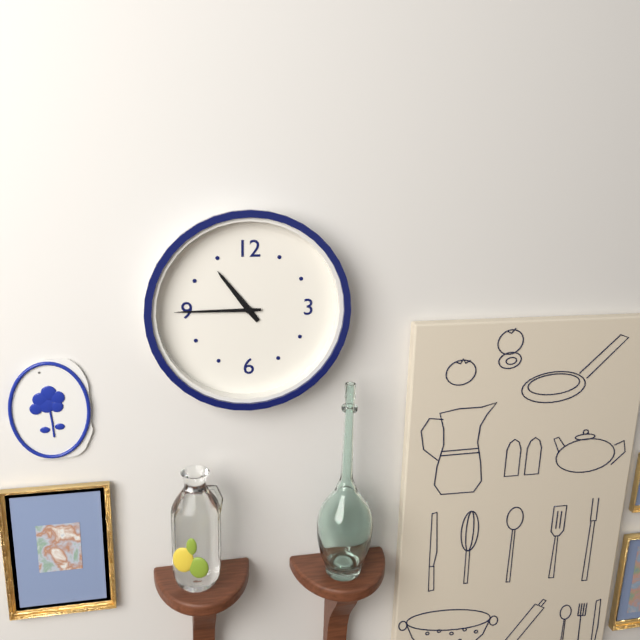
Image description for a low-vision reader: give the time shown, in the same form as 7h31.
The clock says 10h45
